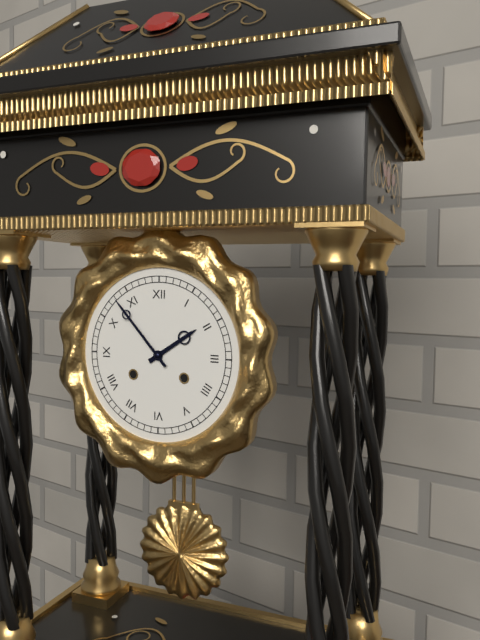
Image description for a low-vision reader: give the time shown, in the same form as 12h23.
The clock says 1h53
